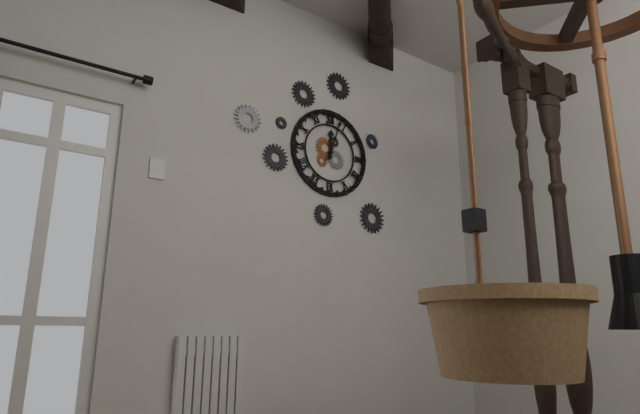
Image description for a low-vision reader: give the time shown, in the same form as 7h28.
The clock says 12h03
